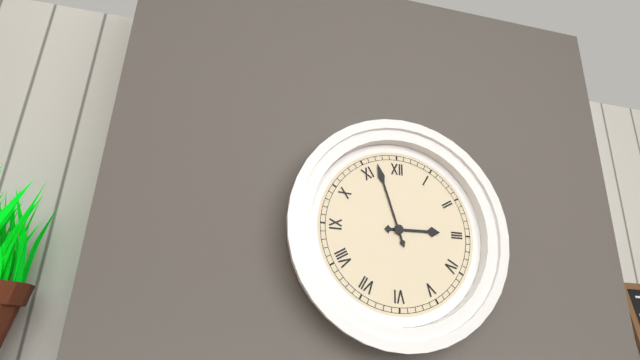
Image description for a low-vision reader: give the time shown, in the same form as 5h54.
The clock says 2h57
